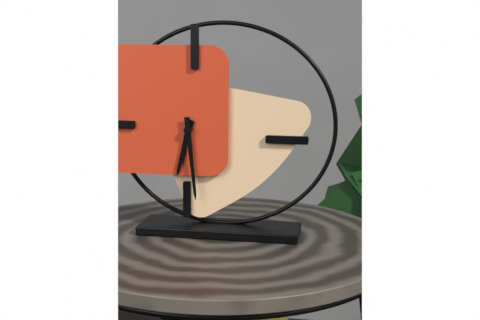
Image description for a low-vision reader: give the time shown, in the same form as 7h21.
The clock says 6h29
